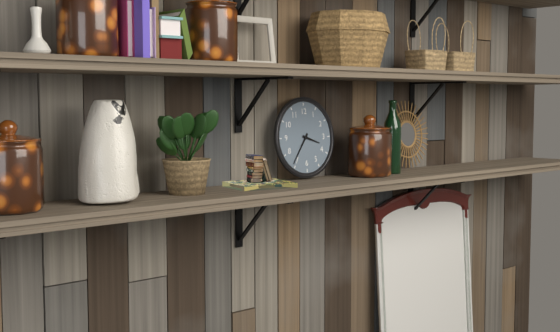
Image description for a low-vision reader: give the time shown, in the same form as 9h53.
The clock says 3h36
